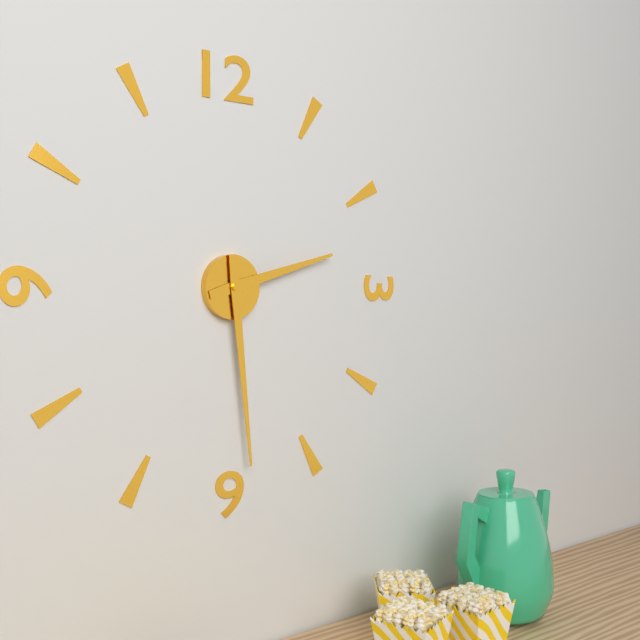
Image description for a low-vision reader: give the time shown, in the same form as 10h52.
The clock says 2h29
